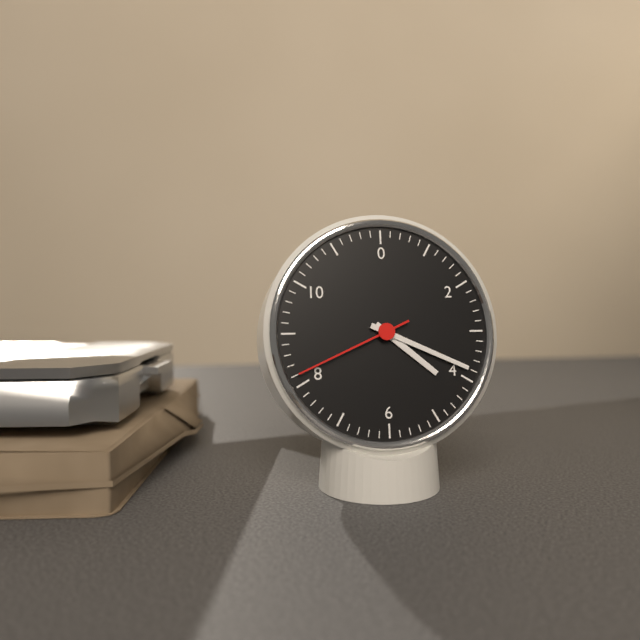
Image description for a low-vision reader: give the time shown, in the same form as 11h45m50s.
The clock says 4h19m41s
